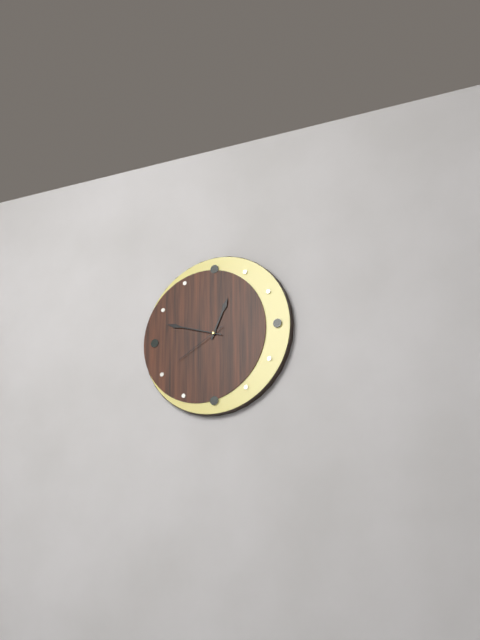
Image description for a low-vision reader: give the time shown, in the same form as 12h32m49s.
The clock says 12h48m40s
